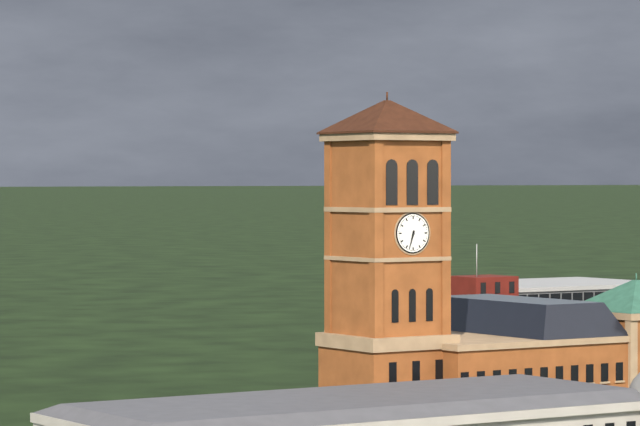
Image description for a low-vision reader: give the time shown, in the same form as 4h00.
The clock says 6h33
